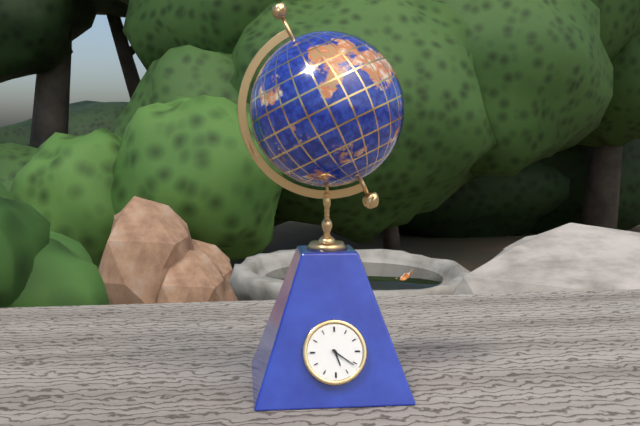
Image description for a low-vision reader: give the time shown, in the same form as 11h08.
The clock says 5h21
